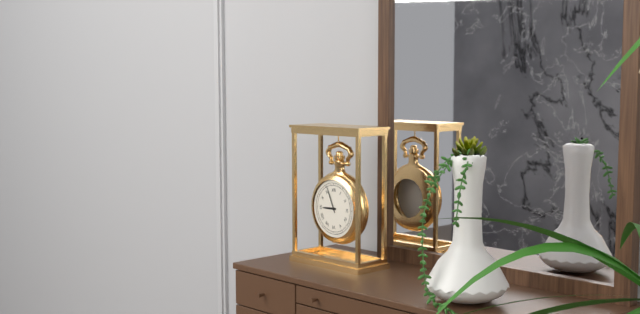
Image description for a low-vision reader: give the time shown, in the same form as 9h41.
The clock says 8h56
